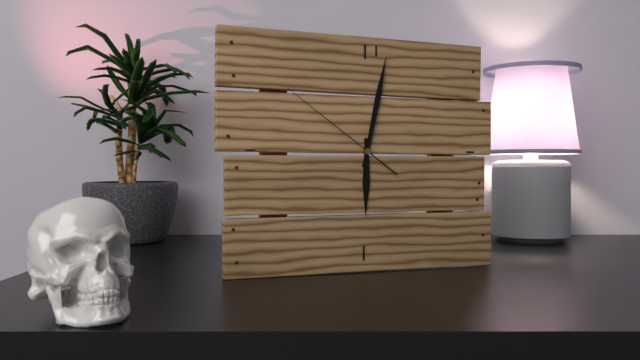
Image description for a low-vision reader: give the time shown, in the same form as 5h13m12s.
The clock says 6h02m51s
